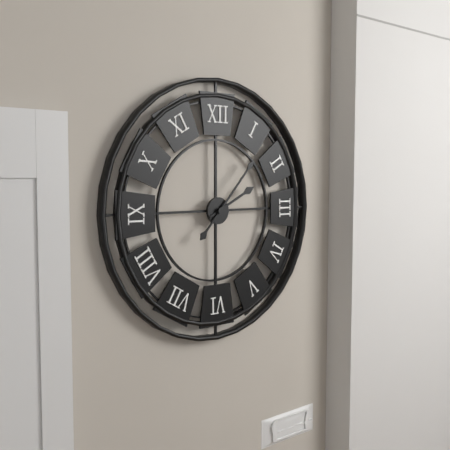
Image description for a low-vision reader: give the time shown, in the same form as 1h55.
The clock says 2h07
